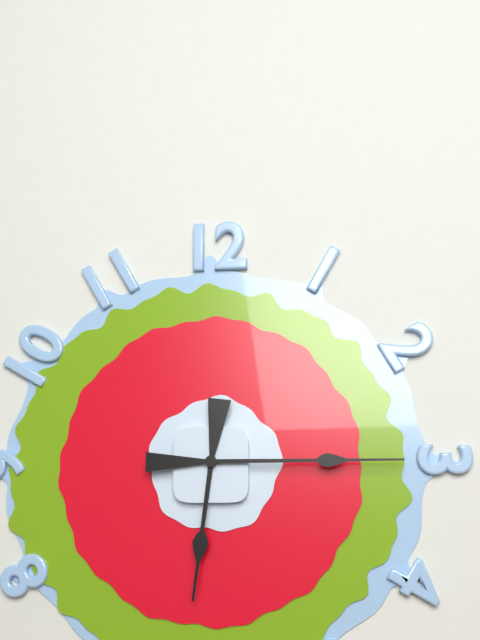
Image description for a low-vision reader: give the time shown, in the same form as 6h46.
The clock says 6h15
